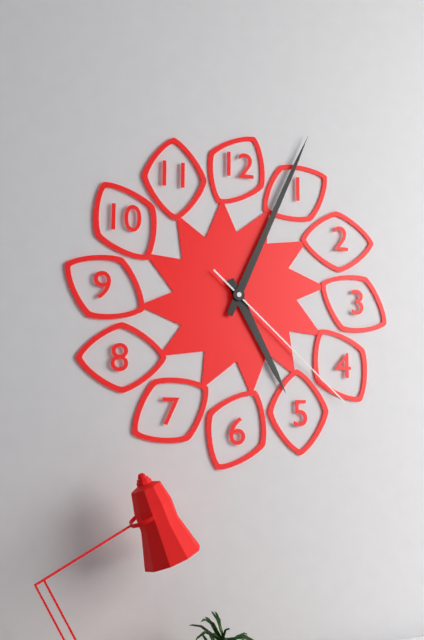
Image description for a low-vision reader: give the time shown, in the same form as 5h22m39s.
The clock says 5h04m22s
